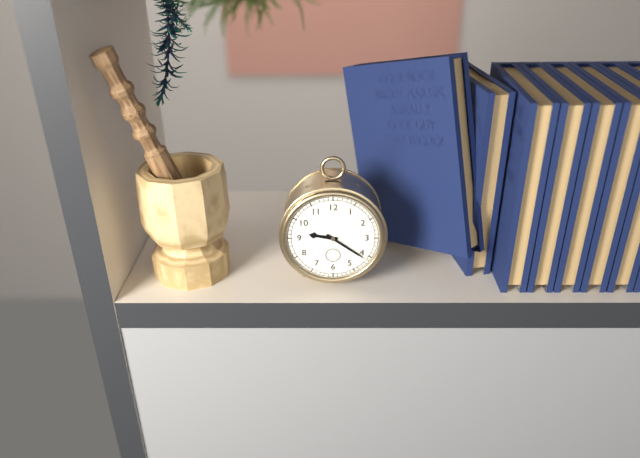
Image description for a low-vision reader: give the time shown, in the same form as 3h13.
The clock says 9h21
